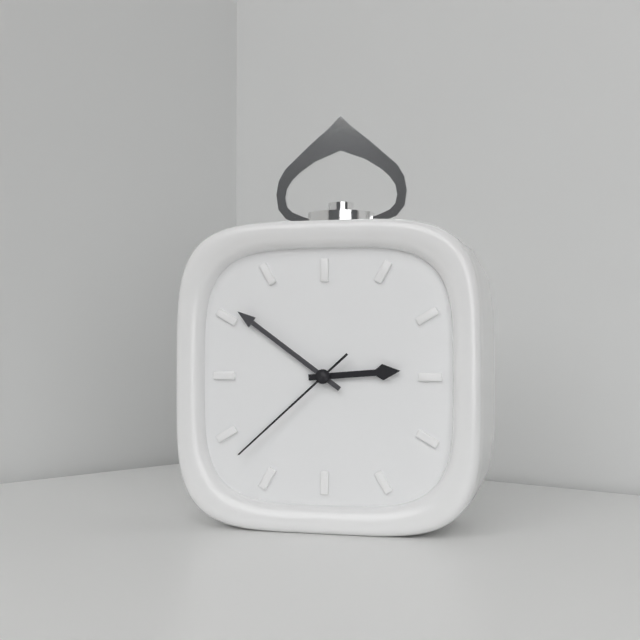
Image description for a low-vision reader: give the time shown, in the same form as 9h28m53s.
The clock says 2h51m38s
